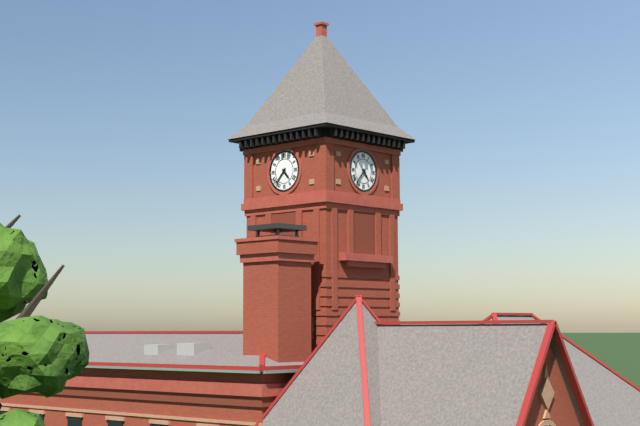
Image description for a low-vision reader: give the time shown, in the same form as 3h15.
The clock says 4h37
